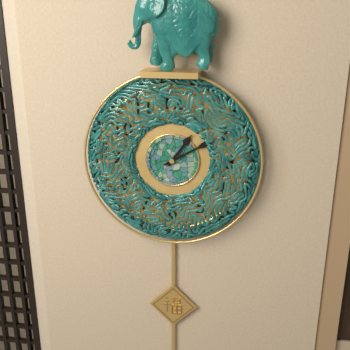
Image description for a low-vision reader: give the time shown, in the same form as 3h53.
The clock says 1h10
